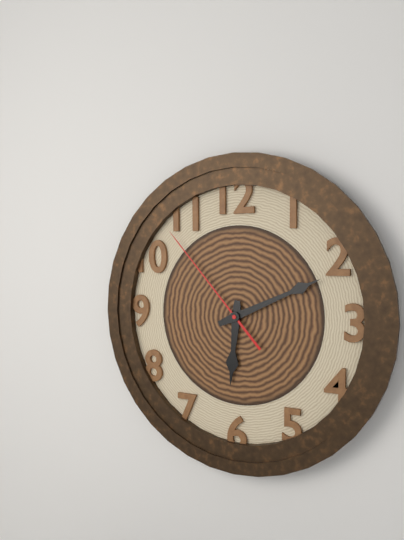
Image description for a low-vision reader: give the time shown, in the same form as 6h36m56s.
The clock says 6h11m53s
